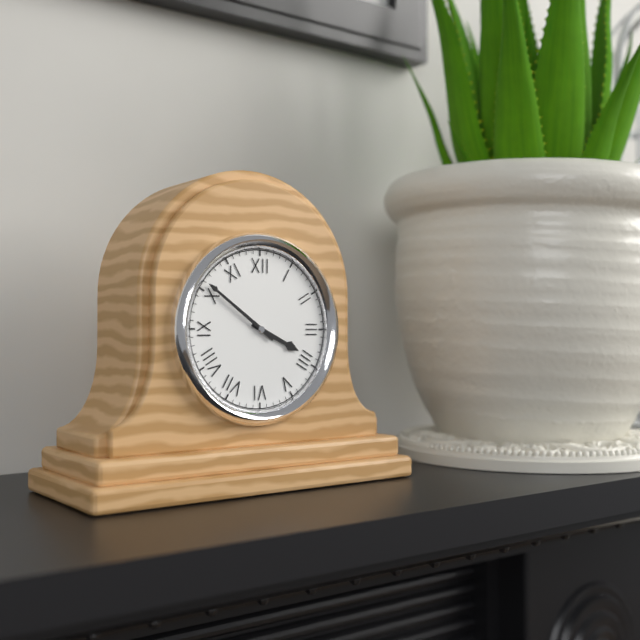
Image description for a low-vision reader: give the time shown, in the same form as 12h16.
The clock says 3h51
